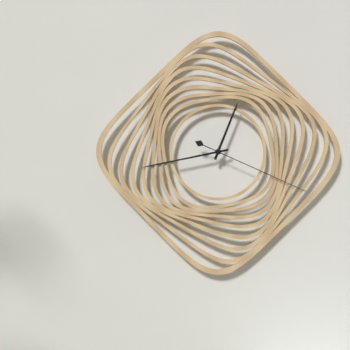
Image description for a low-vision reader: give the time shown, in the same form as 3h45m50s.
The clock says 12h43m19s
